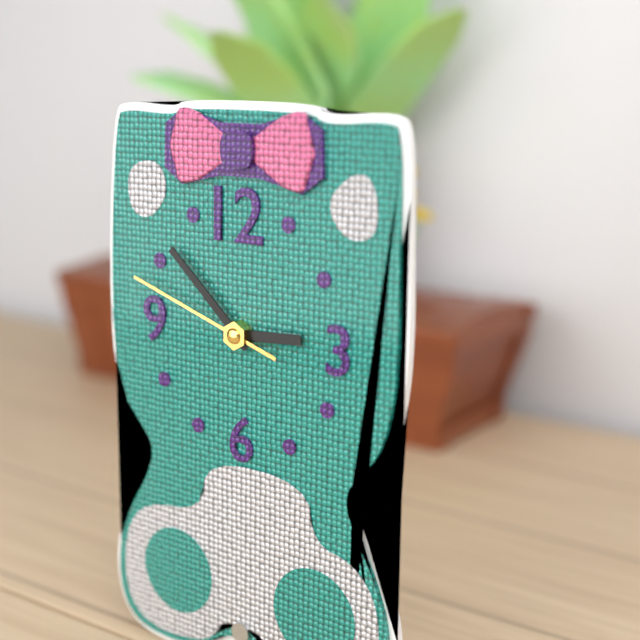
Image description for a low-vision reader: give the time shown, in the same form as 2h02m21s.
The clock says 2h52m48s
